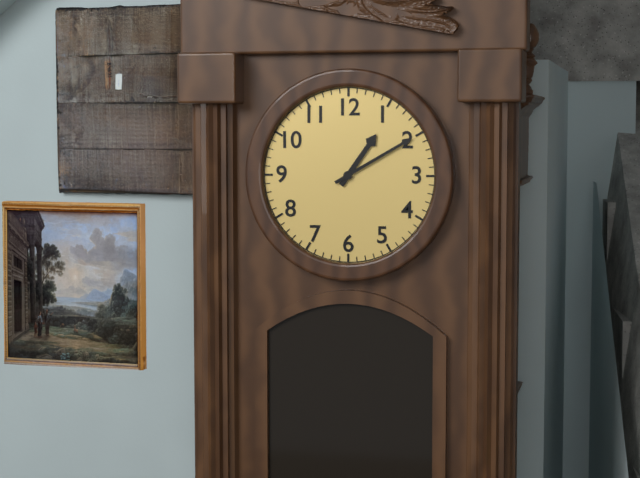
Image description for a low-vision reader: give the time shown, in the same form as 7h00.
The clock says 1h10
